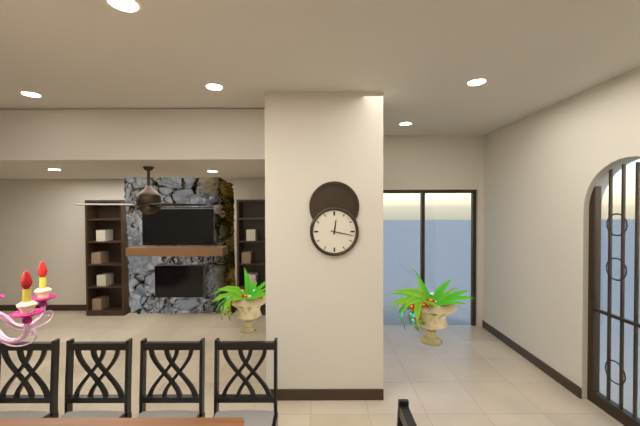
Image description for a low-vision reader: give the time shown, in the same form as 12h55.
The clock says 12h17
